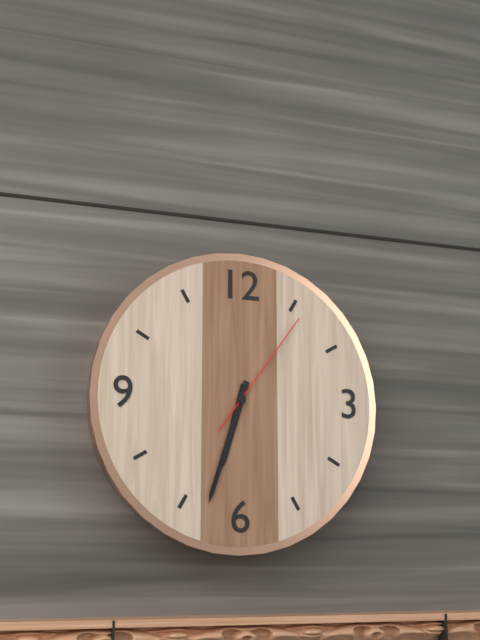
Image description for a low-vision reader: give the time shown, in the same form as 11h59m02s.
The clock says 6h33m06s
